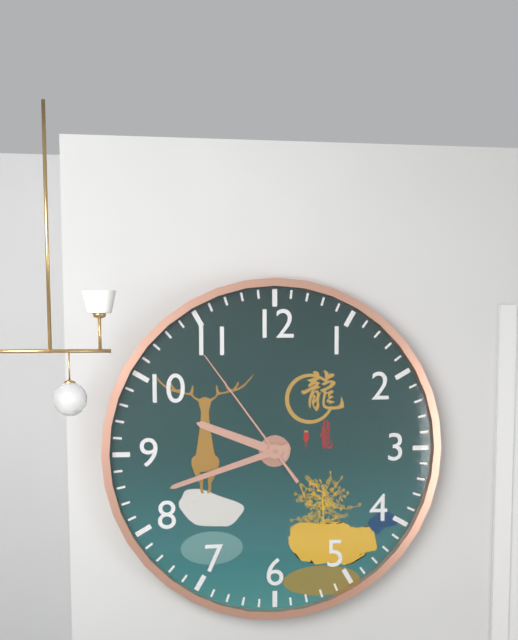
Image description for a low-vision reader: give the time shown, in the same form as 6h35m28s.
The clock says 9h42m54s
